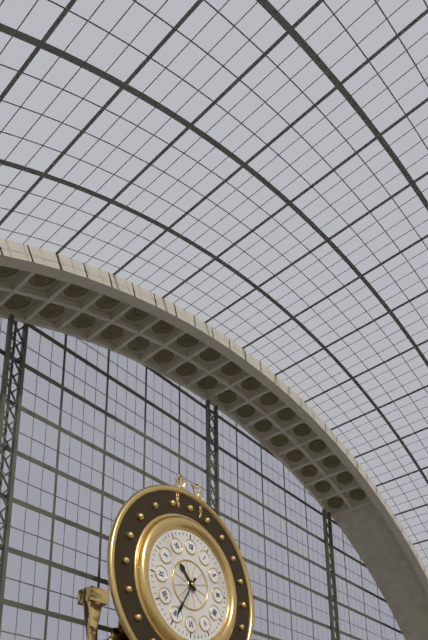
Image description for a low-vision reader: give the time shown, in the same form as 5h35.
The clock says 10h35
